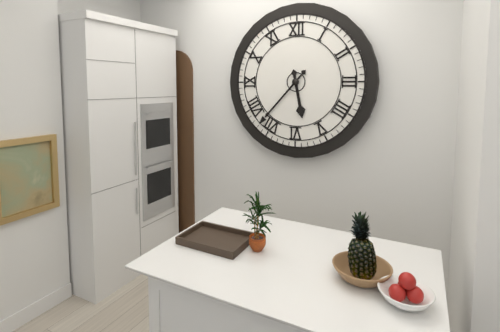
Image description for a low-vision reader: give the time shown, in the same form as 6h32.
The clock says 5h37
